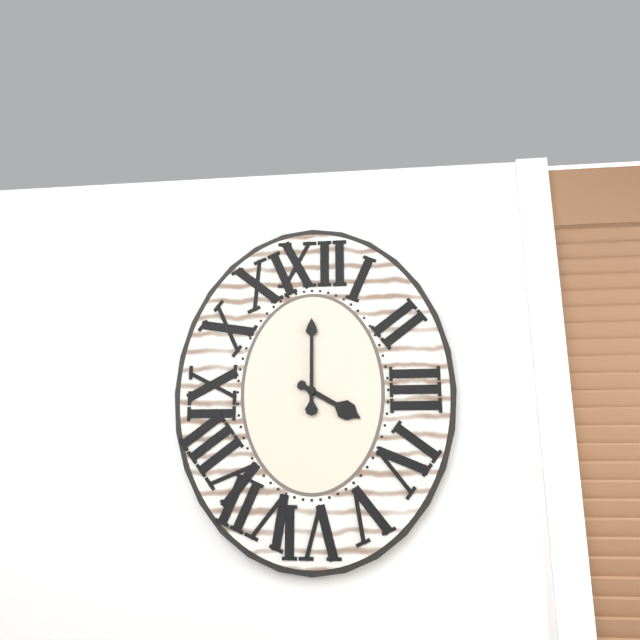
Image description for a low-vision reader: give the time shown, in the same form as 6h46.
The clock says 4h00
